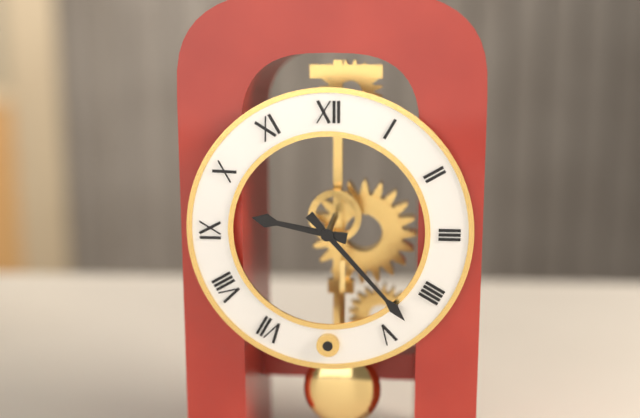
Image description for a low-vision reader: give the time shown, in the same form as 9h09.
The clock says 9h23
